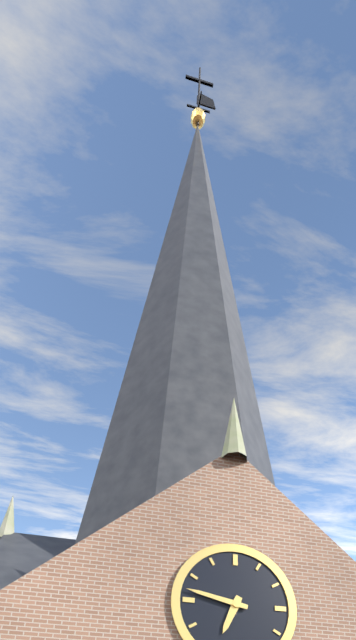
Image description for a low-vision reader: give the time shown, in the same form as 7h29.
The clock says 6h47
